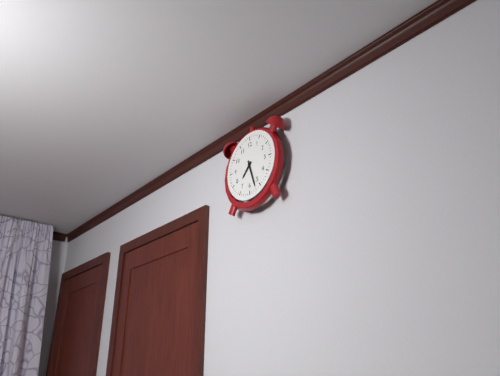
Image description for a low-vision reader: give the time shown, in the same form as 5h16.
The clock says 7h27
